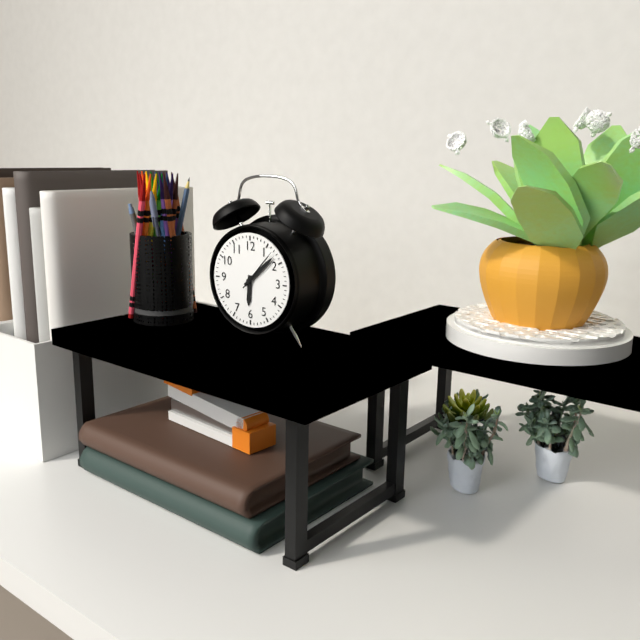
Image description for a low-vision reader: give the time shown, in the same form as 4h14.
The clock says 6h08
